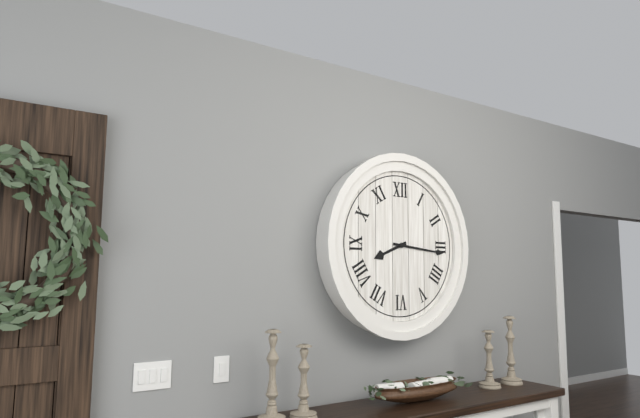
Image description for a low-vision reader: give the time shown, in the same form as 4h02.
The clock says 8h16
